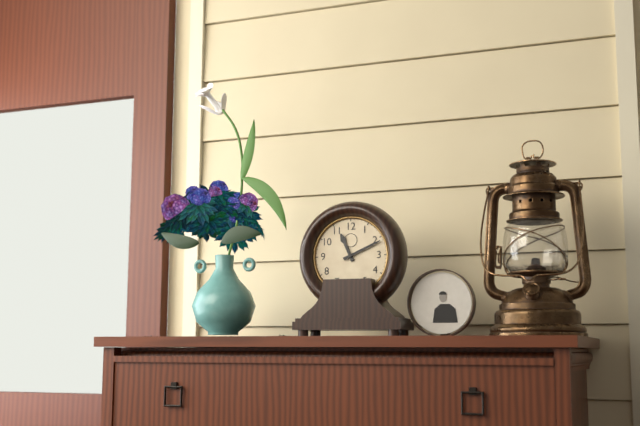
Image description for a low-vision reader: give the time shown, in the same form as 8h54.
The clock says 11h11
